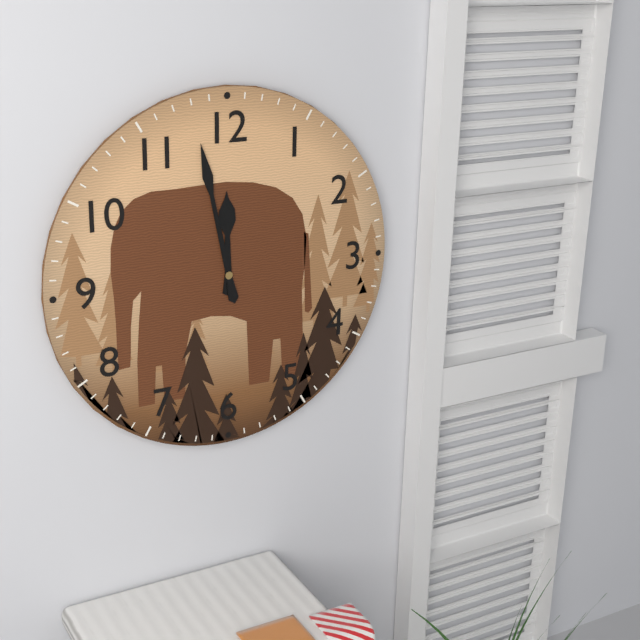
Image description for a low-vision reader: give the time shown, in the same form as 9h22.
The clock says 11h58
